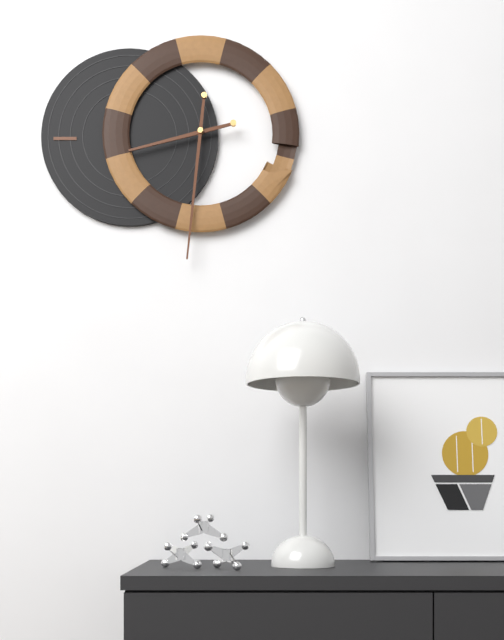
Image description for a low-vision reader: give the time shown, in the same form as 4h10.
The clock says 8h31
